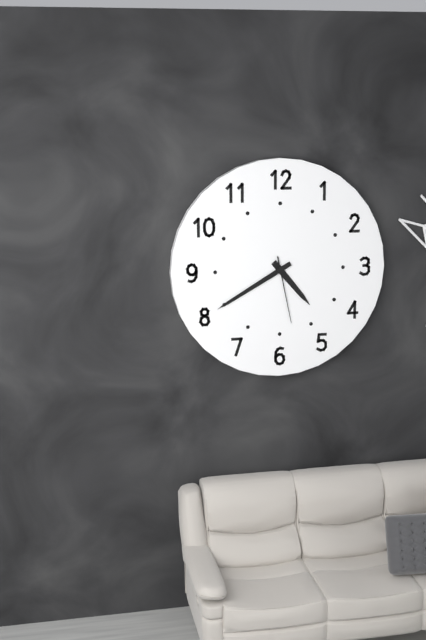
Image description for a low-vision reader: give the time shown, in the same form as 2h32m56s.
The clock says 4h40m28s
